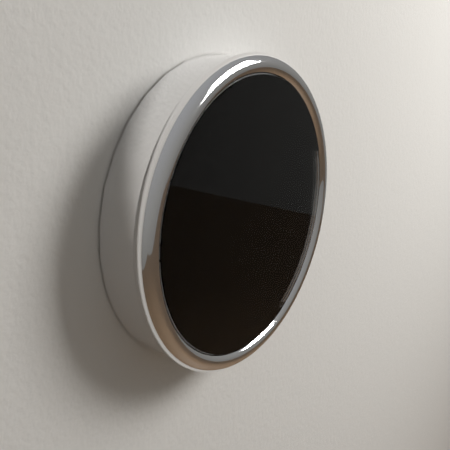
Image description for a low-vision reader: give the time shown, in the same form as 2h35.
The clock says 11h54
